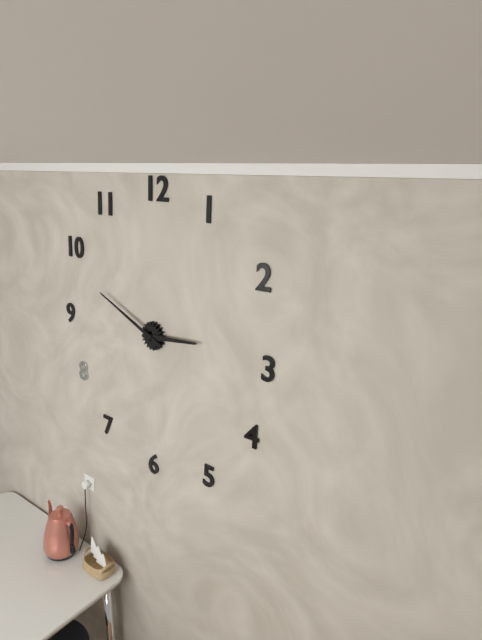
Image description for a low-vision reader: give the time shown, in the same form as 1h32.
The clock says 2h49
